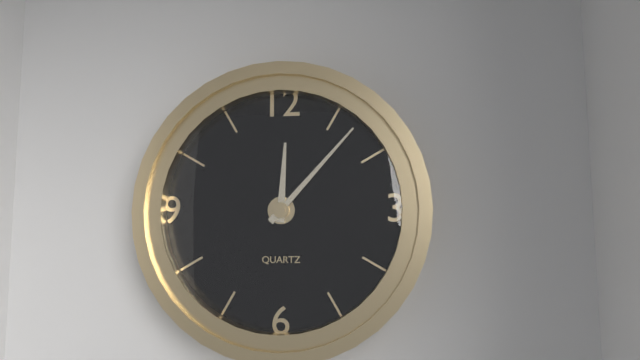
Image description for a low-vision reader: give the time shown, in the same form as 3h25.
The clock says 12h07
